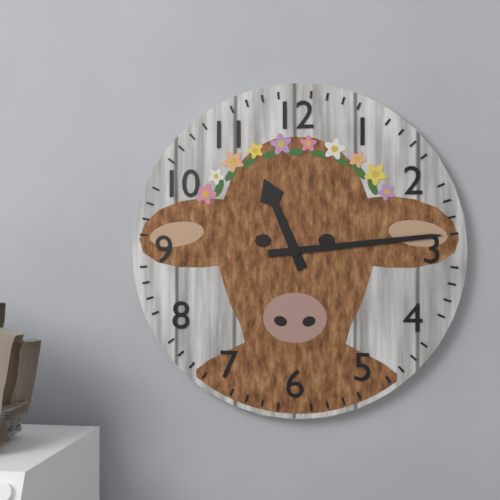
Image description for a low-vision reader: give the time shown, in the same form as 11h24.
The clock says 11h14
